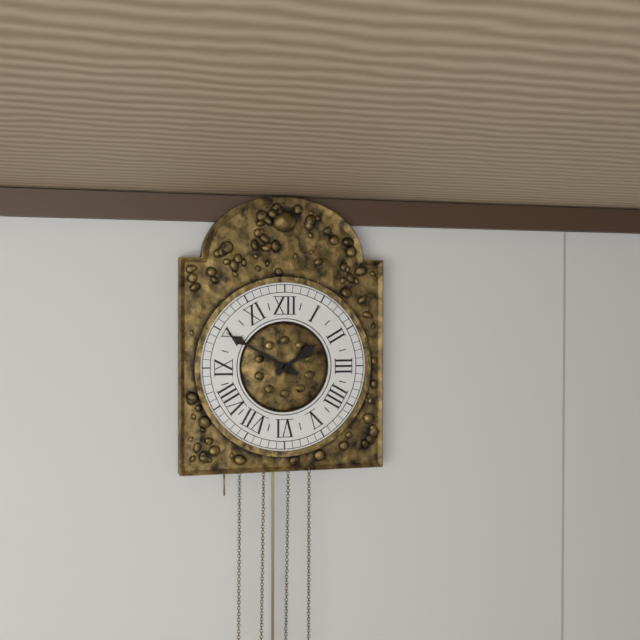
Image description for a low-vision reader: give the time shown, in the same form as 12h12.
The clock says 1h50
